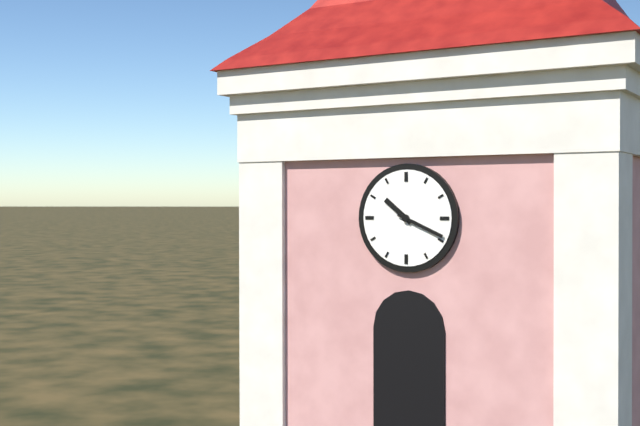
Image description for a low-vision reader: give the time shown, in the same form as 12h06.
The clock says 10h19
